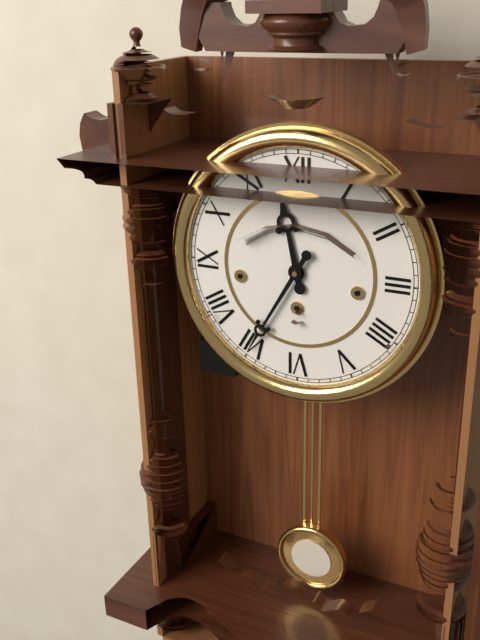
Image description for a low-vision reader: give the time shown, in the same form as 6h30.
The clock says 11h35
